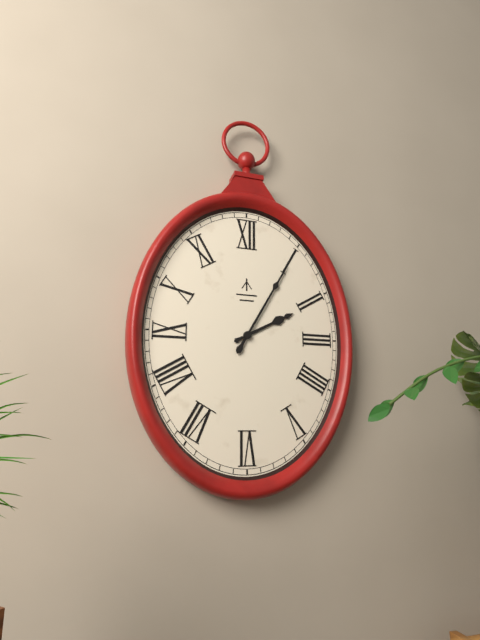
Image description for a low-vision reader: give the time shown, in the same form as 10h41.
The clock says 2h05
